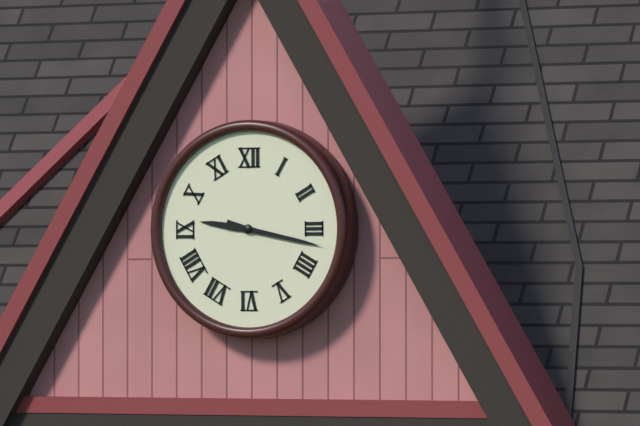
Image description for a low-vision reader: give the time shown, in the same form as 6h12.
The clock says 9h17
